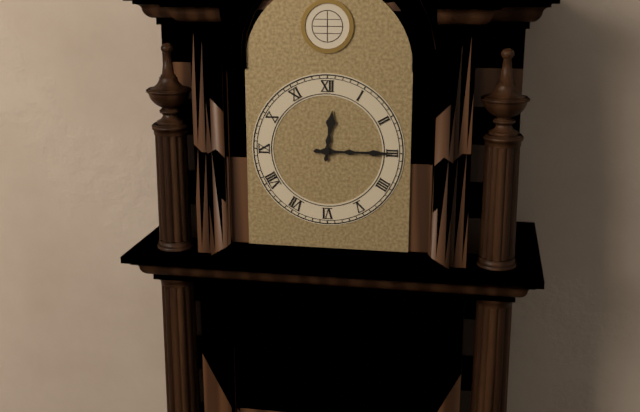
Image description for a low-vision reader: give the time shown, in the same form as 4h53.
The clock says 12h15
